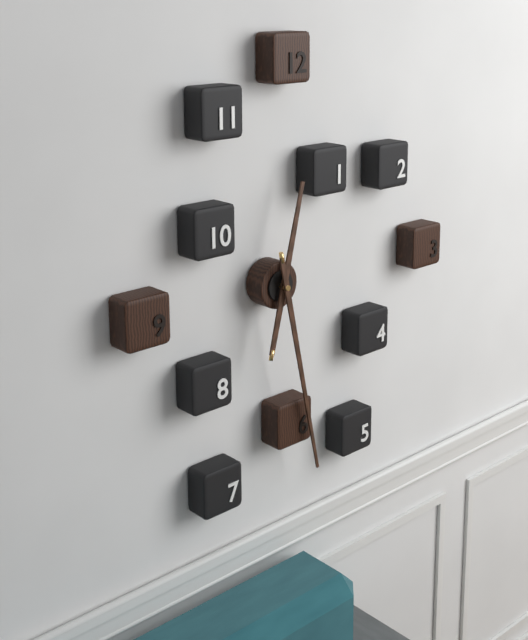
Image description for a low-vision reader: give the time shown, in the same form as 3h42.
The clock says 12h28
